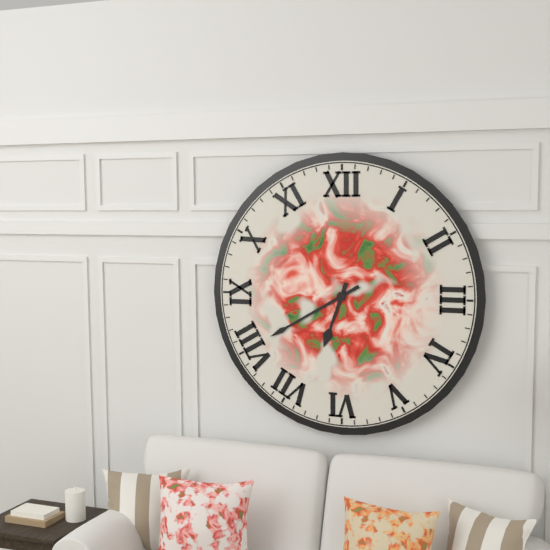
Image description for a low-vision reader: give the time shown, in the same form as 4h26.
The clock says 6h40
